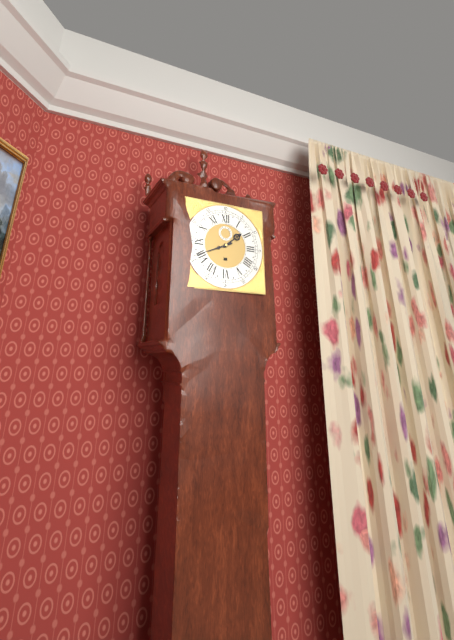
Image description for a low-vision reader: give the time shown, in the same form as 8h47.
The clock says 1h41
